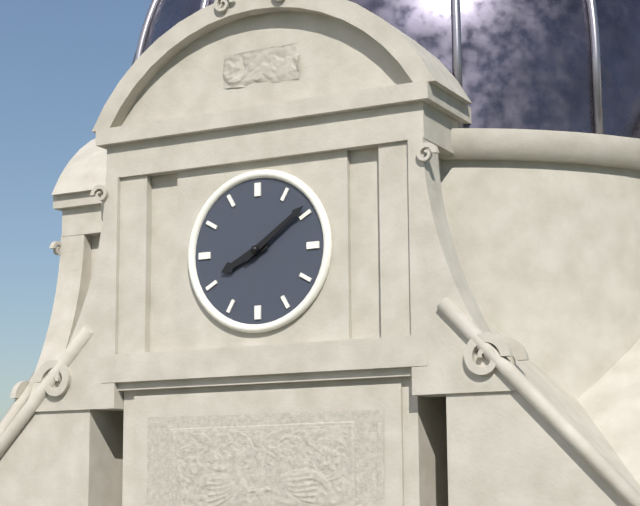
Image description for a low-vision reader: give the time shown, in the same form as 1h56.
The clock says 8h09
